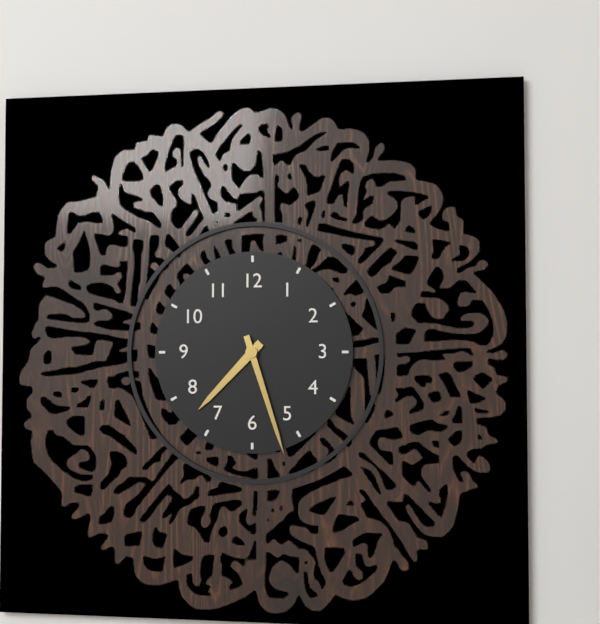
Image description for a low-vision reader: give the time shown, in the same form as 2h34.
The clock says 7h27
